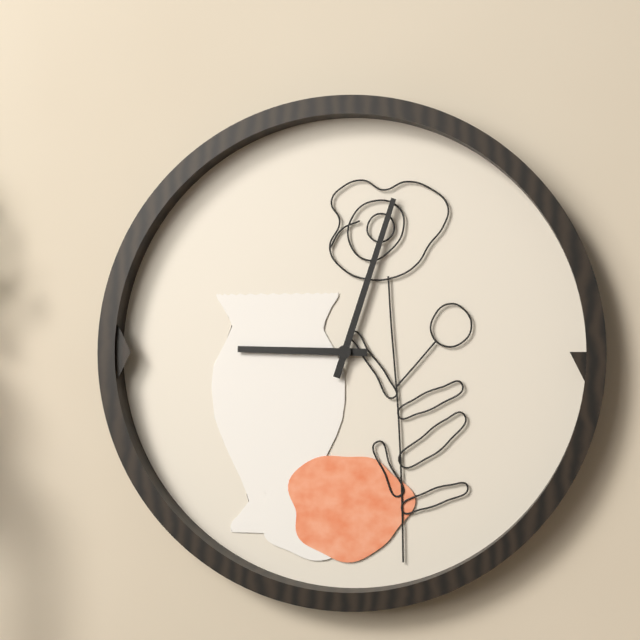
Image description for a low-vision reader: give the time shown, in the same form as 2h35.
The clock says 9h03
